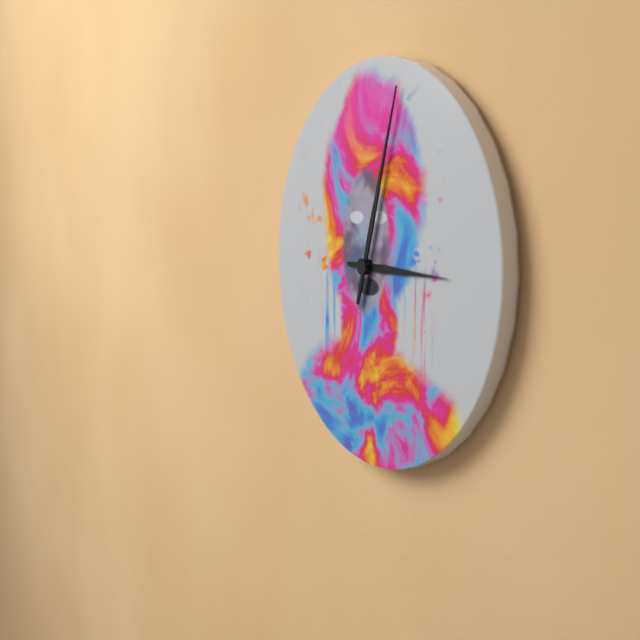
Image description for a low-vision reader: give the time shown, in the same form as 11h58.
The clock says 3h03
